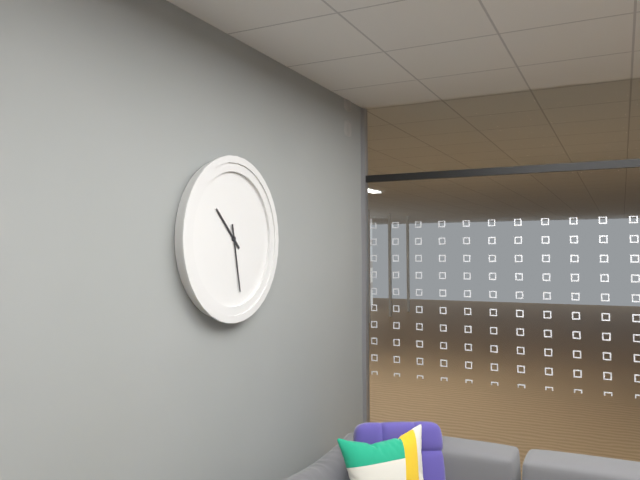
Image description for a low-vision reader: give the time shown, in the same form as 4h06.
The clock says 10h28
